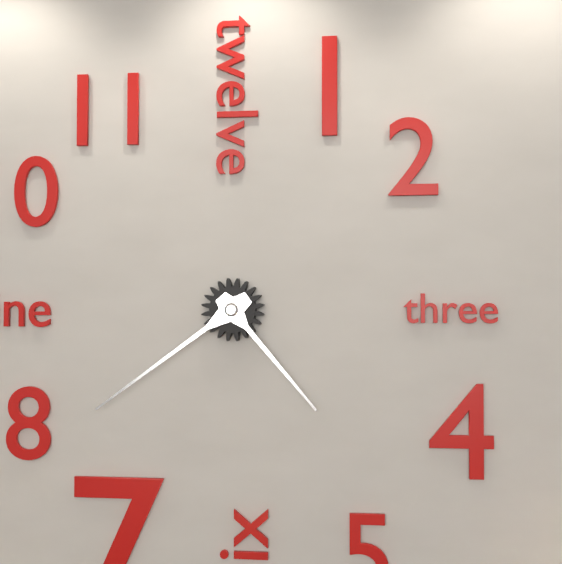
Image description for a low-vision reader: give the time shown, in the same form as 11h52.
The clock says 4h39
